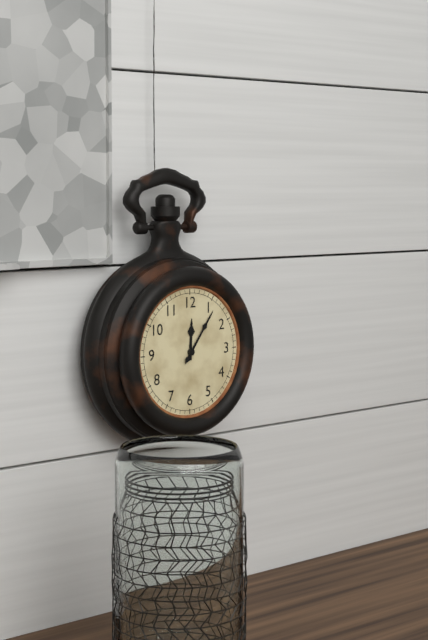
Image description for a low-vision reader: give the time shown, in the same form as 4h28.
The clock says 12h06
